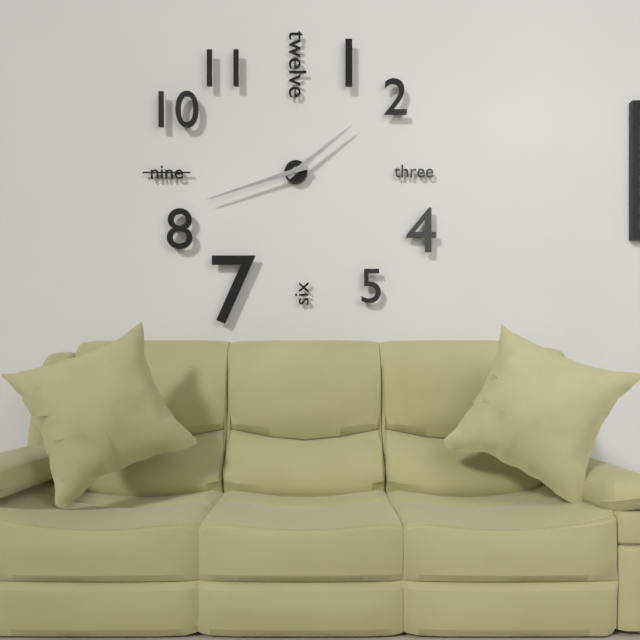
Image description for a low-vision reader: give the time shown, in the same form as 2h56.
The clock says 1h42
